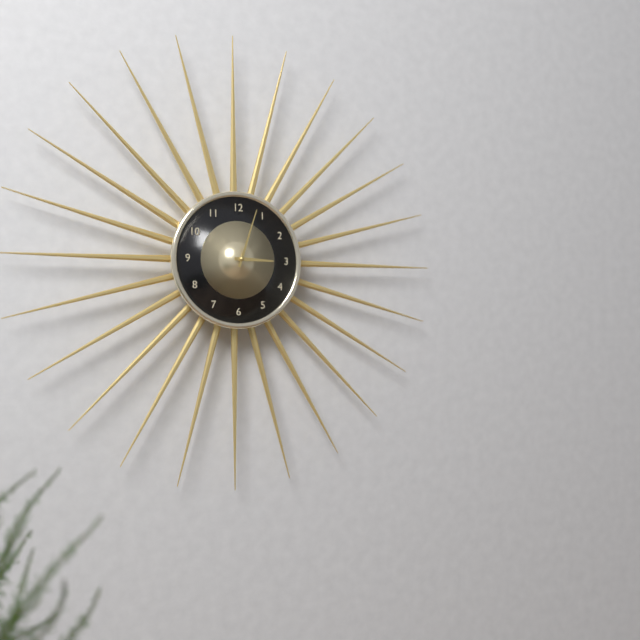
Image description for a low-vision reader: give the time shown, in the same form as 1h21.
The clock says 3h03
